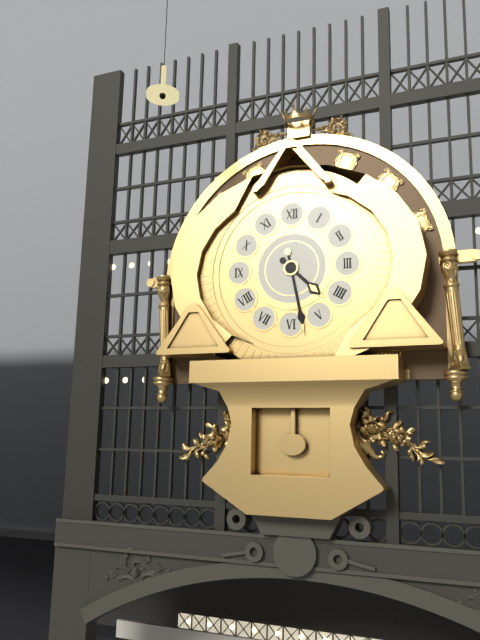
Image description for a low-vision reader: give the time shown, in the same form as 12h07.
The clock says 4h28
